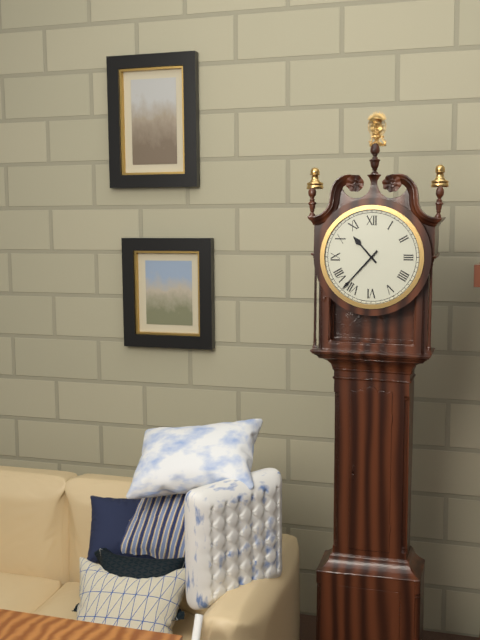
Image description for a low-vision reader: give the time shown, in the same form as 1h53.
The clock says 10h37
